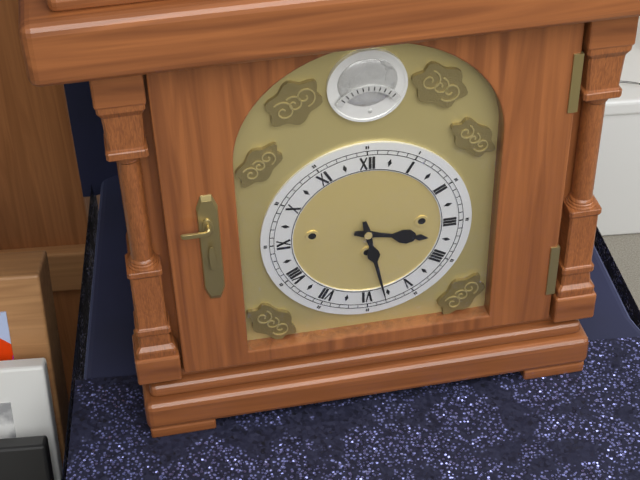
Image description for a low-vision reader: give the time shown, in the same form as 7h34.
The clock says 3h28
